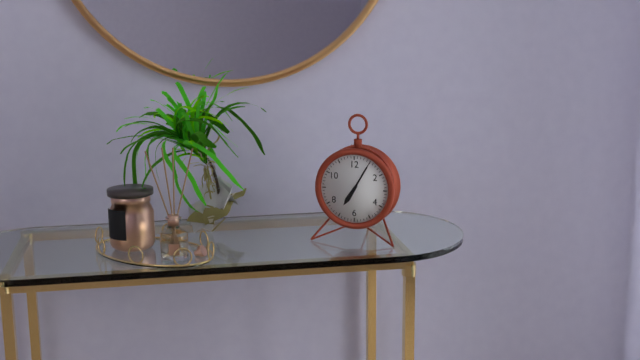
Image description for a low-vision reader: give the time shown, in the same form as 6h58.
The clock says 7h05
